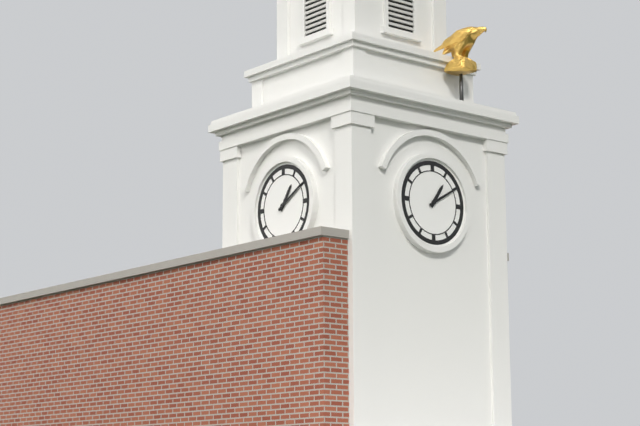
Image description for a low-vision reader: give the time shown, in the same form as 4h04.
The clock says 1h10
